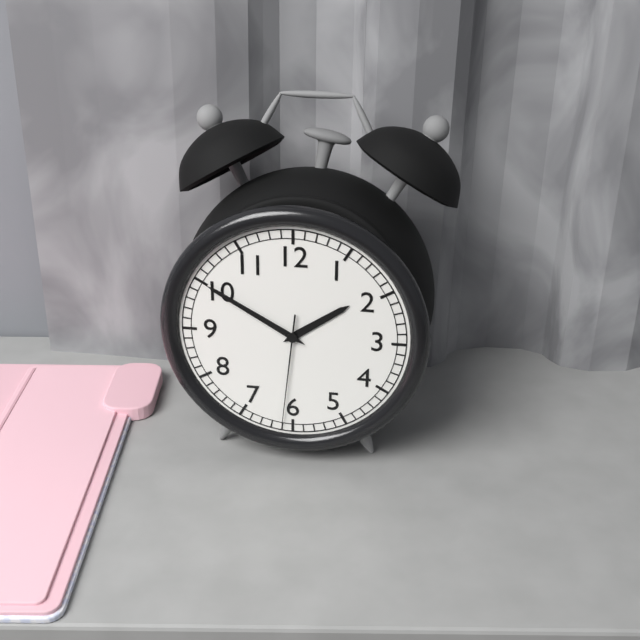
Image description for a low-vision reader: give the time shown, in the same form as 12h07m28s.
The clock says 1h50m31s
